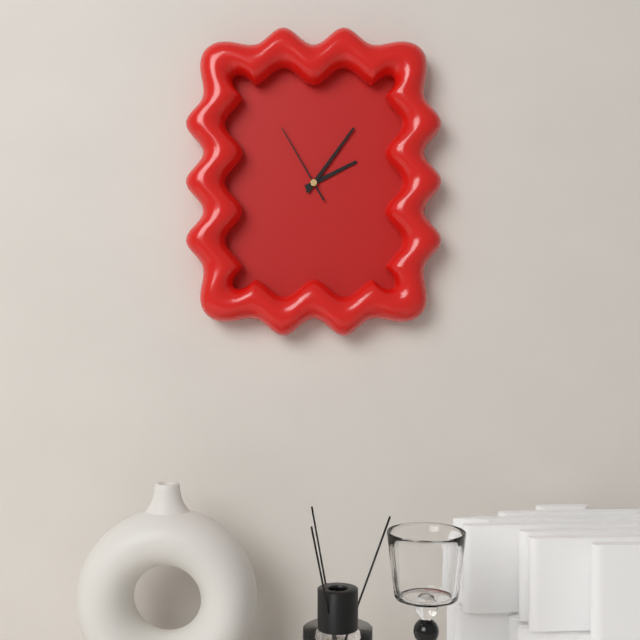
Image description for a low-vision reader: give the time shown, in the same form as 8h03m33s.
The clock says 2h06m55s
